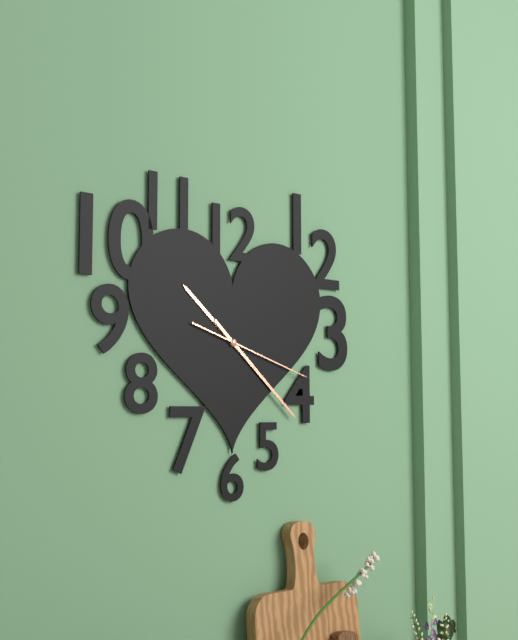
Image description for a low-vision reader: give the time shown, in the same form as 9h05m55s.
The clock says 10h22m18s
